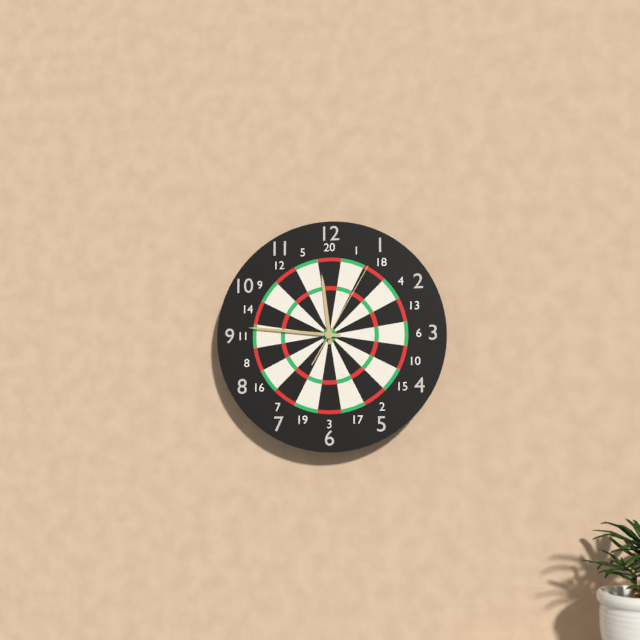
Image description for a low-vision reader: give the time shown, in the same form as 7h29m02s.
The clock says 11h46m05s
